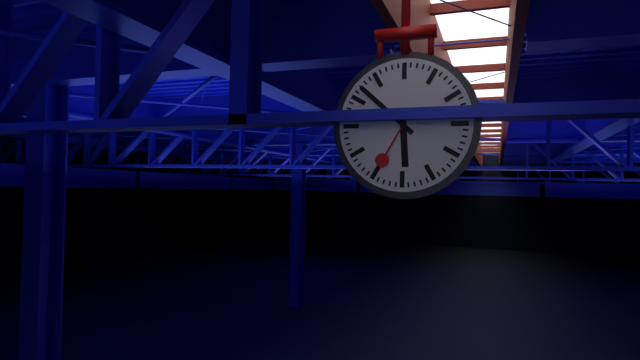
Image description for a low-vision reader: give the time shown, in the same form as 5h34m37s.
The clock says 5h52m35s
